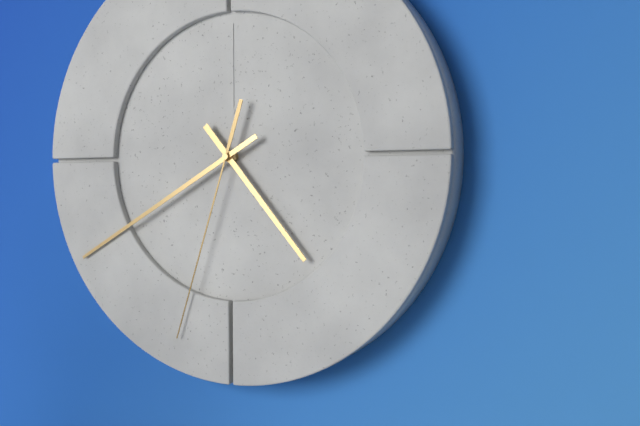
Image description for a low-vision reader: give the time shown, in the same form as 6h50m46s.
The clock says 4h40m33s
